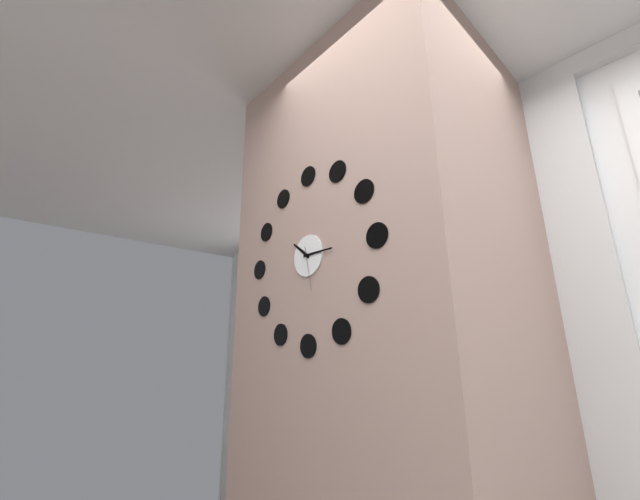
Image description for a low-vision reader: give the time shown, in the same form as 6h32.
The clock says 10h15
